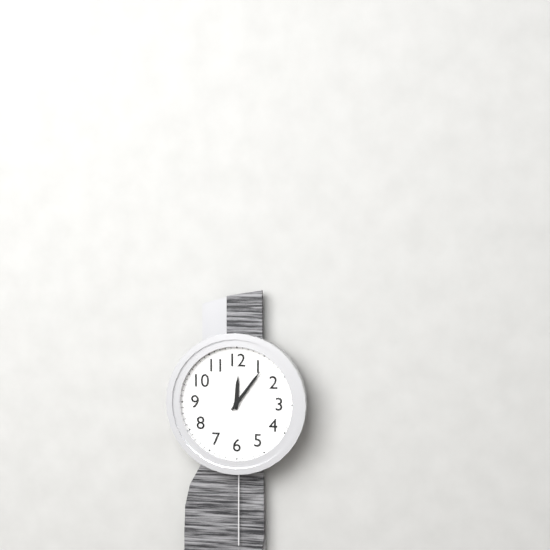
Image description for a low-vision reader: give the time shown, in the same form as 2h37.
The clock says 12h06
